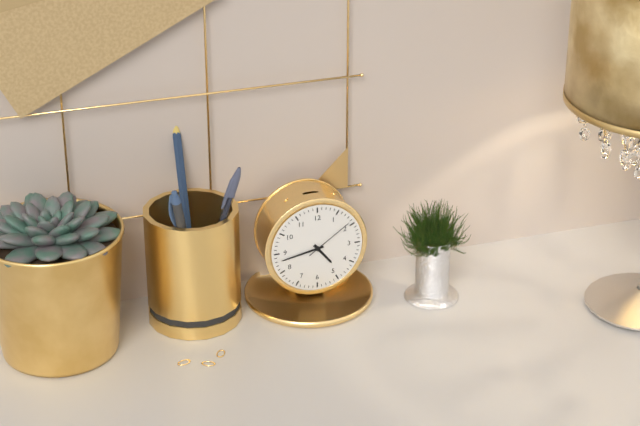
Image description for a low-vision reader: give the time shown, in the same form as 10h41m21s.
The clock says 4h43m09s
